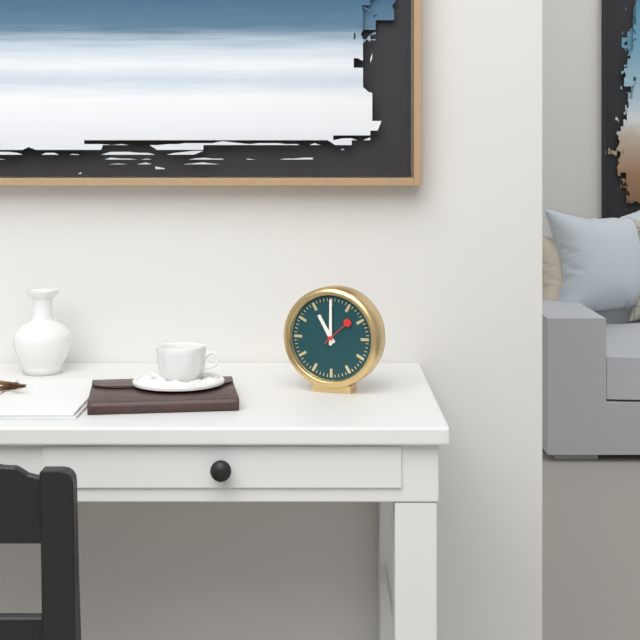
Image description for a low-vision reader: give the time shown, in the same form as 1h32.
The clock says 11h00
